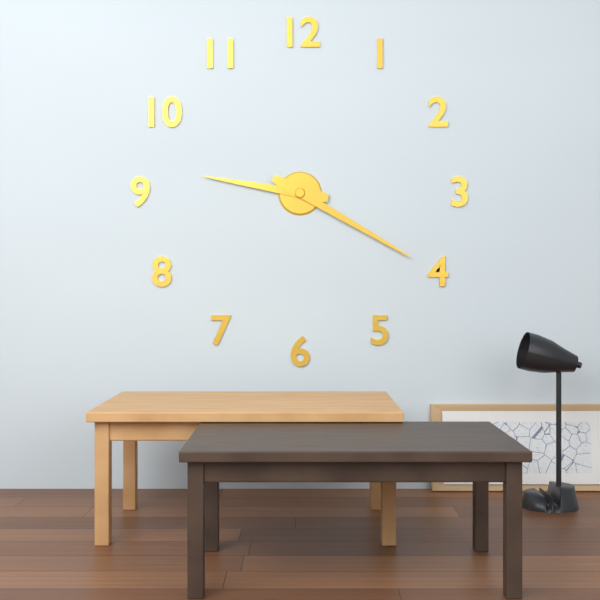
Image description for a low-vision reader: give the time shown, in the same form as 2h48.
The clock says 9h20
